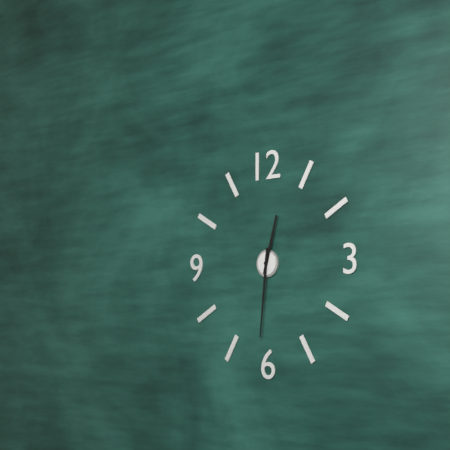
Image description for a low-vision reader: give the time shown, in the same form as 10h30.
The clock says 12h31
